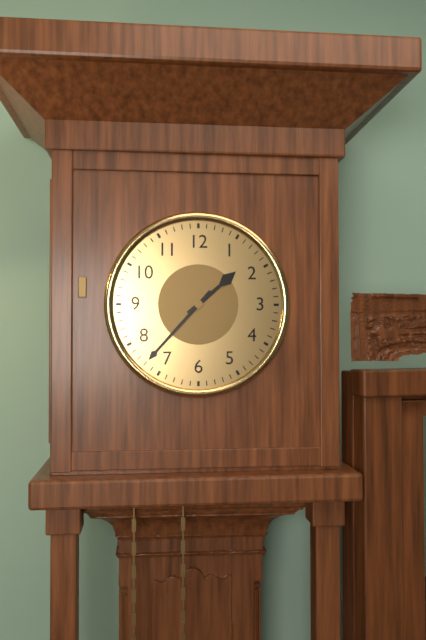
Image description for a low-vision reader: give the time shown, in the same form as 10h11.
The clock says 1h37
